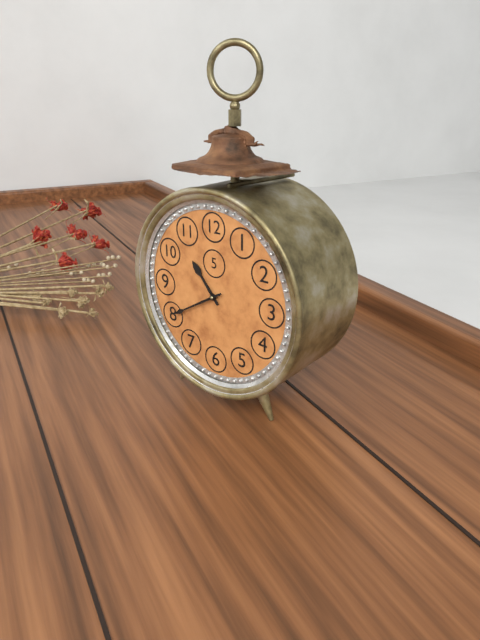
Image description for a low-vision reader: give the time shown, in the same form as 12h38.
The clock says 10h40
